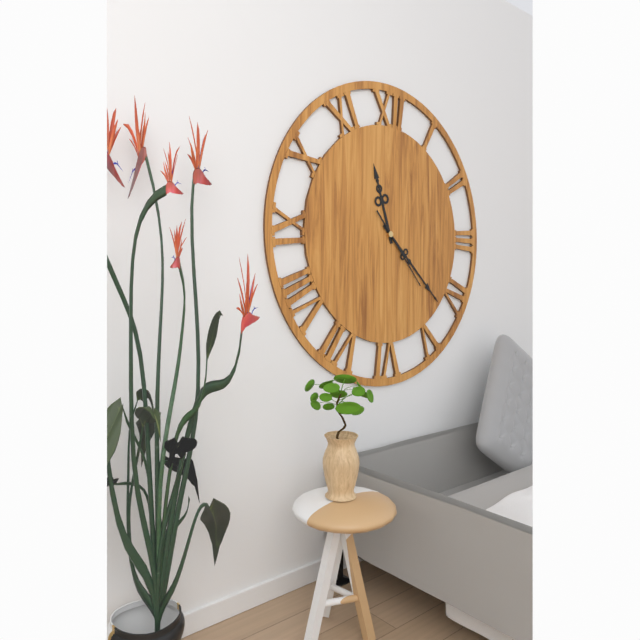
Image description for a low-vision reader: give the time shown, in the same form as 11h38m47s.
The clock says 11h22m23s
